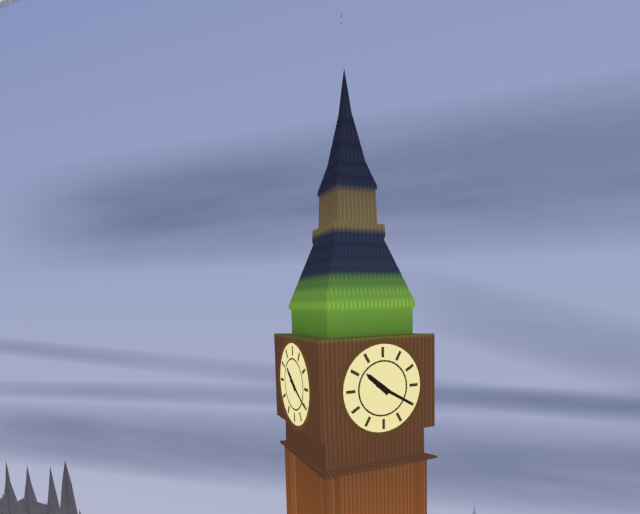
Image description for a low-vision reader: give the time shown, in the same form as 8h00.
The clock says 10h20
